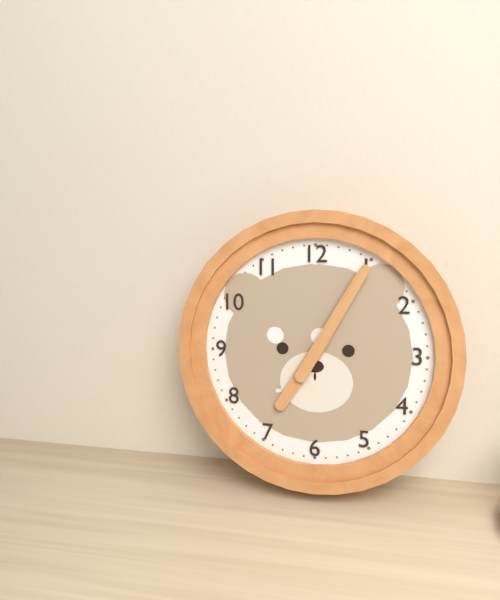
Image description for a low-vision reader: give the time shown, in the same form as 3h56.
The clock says 7h05
